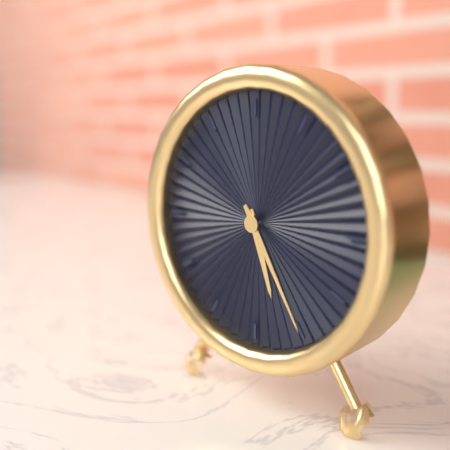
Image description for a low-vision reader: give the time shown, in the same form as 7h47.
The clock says 5h25
